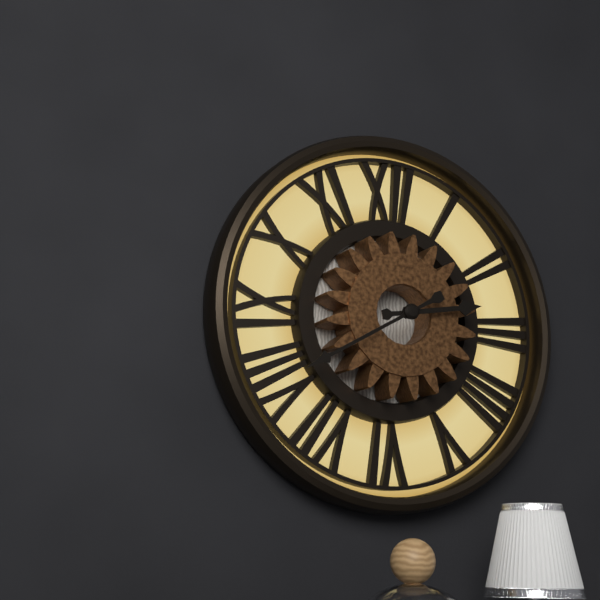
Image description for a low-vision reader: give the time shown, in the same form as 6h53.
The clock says 2h40
